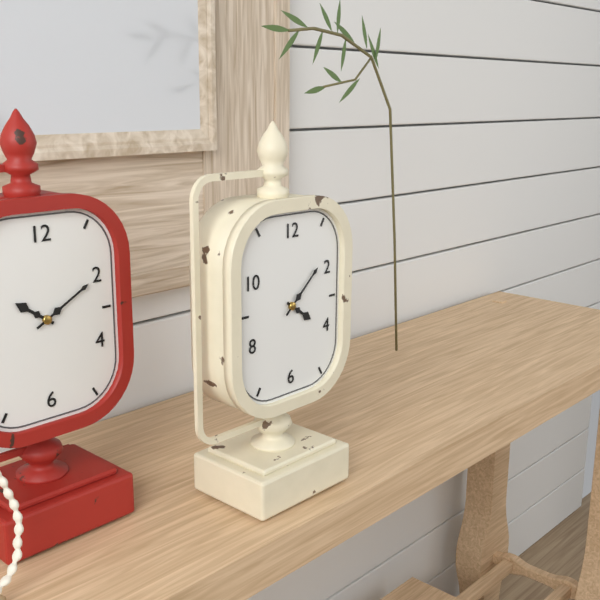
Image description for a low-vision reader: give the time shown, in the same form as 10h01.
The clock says 4h08
